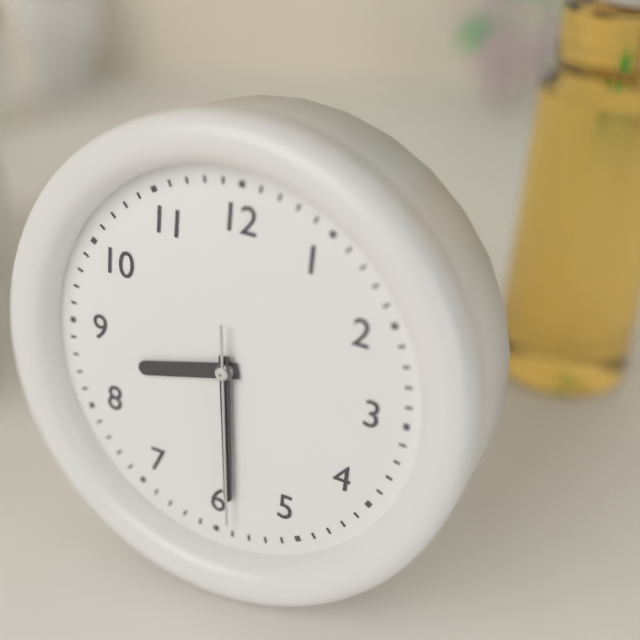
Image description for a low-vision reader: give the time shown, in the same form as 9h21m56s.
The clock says 8h29m29s
